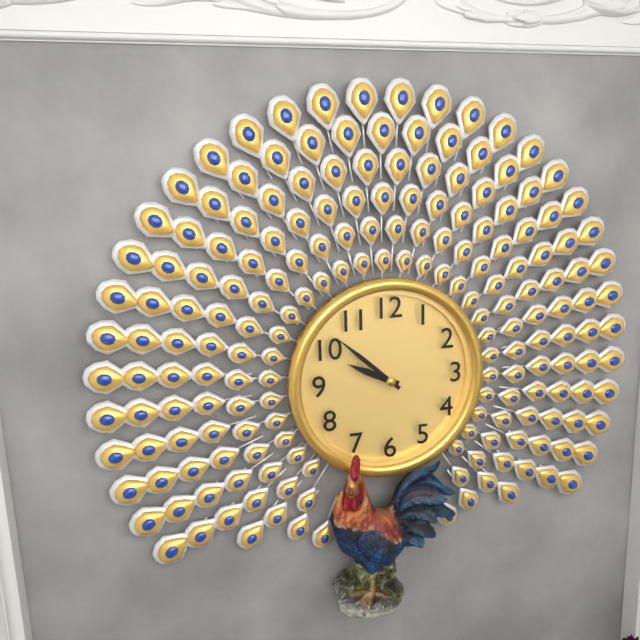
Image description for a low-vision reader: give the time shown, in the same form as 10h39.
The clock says 9h52
